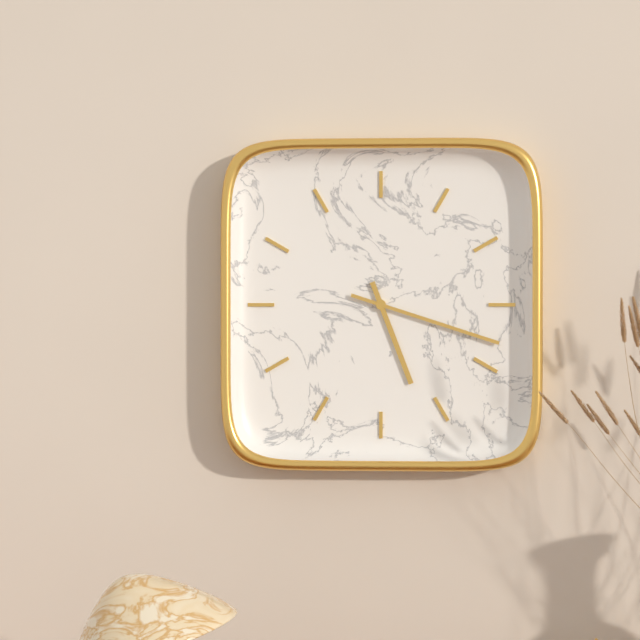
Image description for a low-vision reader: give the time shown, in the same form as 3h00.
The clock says 5h18
